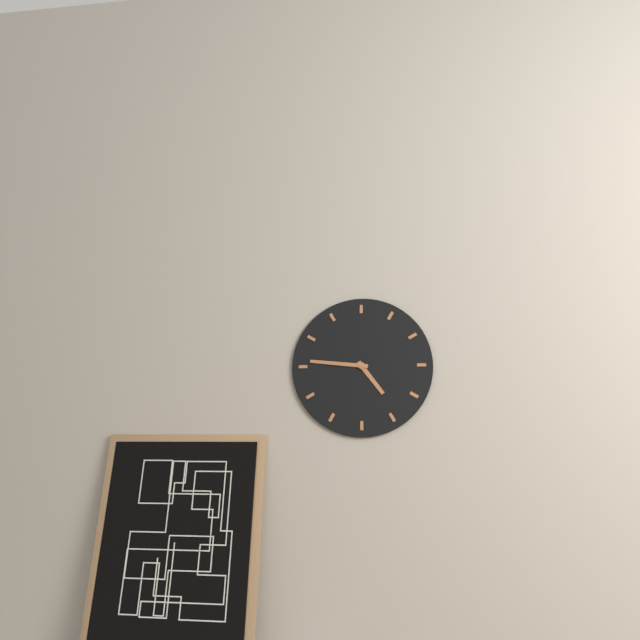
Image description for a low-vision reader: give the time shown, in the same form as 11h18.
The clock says 4h46
